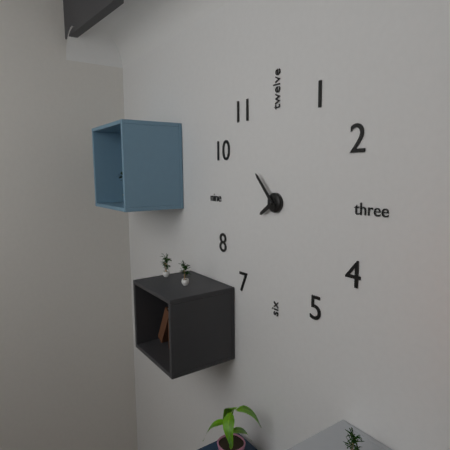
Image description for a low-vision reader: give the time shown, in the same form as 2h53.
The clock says 7h53
